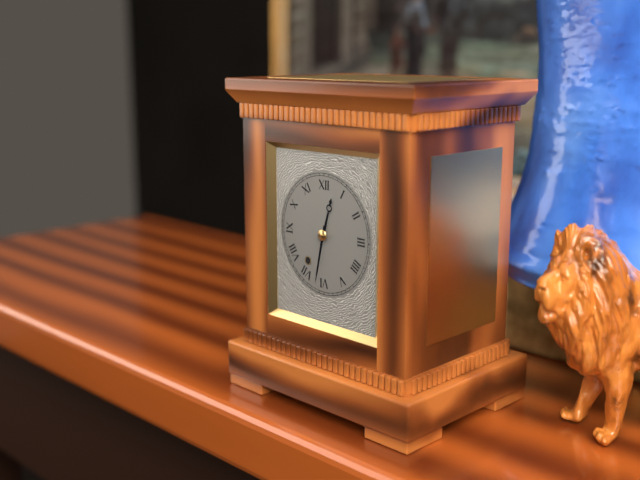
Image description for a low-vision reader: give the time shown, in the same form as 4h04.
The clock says 12h32
